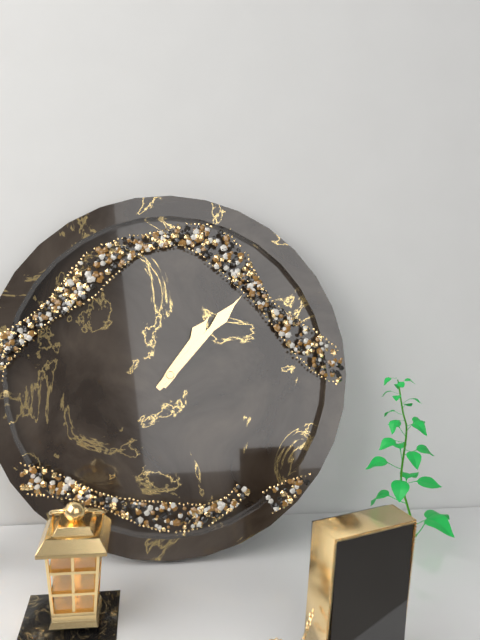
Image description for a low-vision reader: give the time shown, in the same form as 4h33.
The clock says 1h07
